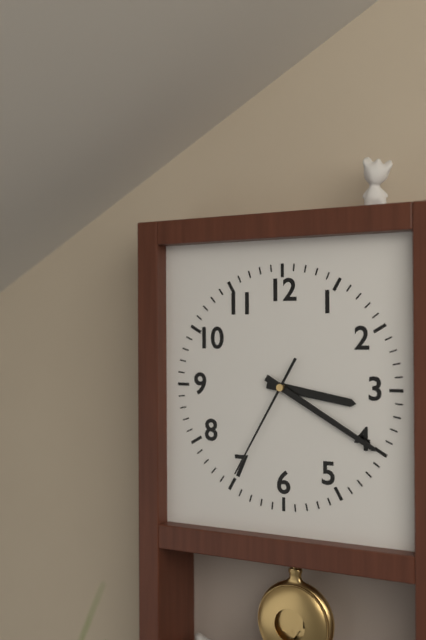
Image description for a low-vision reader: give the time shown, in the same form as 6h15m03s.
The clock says 3h20m35s
